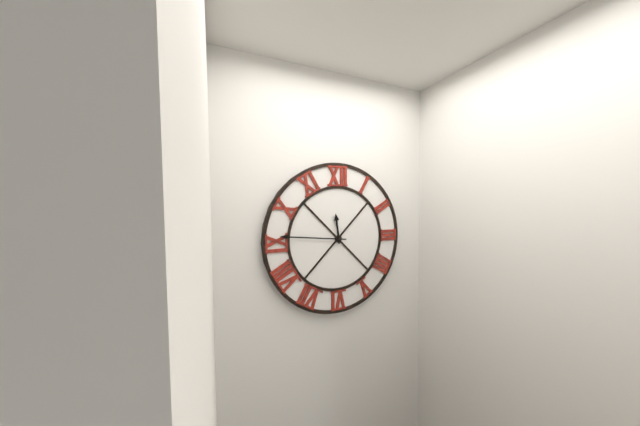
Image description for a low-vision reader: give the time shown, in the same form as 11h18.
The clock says 11h46
